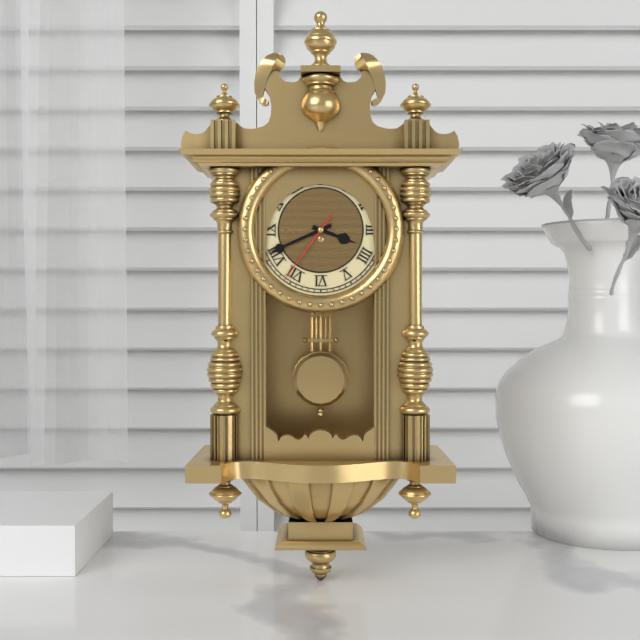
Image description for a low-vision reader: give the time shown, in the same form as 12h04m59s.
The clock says 3h41m36s
